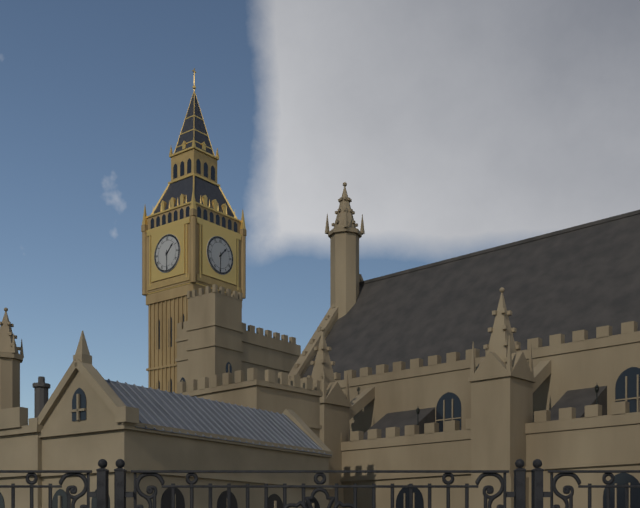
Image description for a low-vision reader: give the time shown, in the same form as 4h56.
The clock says 1h30
